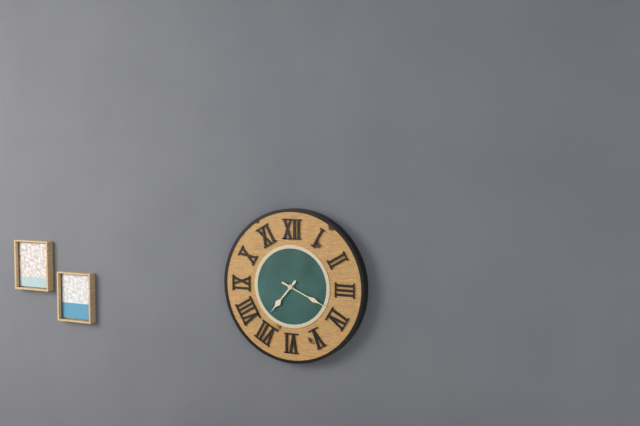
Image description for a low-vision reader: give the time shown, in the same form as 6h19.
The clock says 7h19
